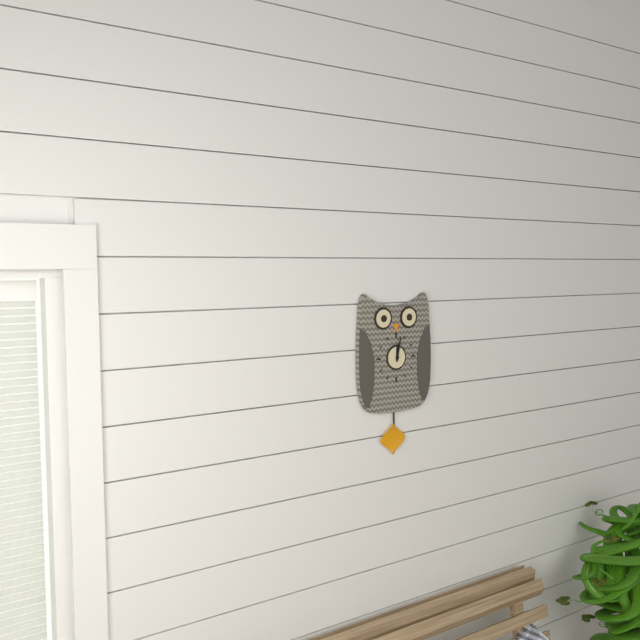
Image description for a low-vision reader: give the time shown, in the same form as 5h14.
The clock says 12h02
